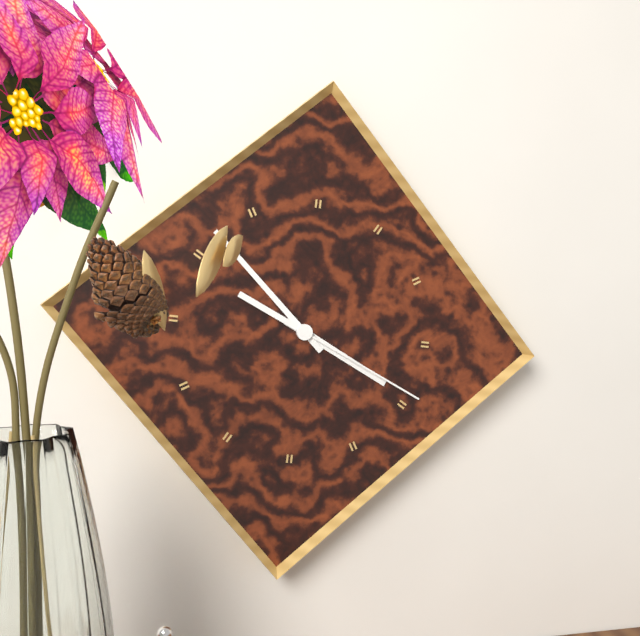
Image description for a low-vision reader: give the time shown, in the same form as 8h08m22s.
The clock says 3h52m19s
